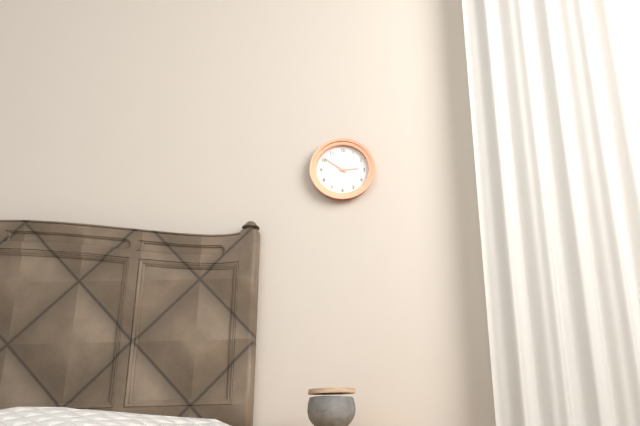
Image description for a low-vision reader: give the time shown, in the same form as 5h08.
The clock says 2h51
